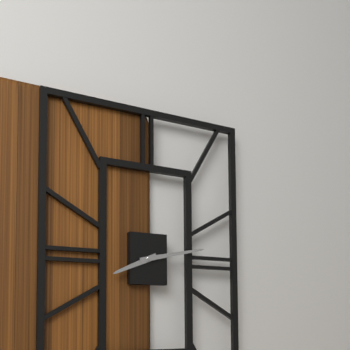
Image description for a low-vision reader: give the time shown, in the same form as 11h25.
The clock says 8h13
